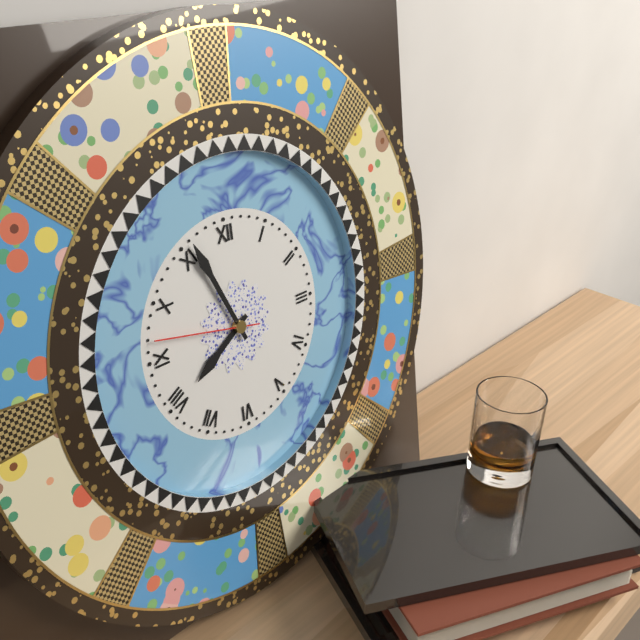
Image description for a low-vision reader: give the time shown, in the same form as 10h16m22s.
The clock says 7h56m47s
